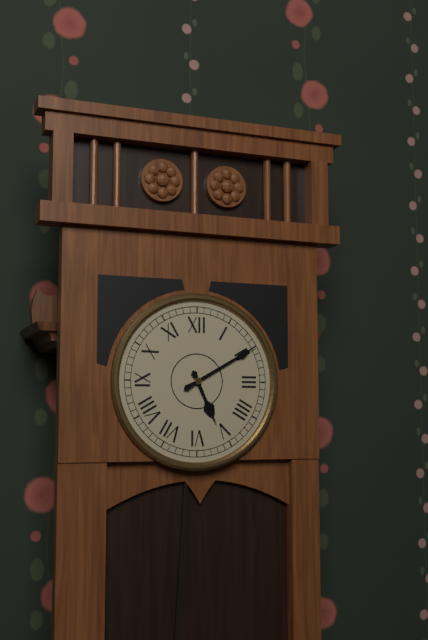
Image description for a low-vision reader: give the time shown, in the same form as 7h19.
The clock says 5h10
